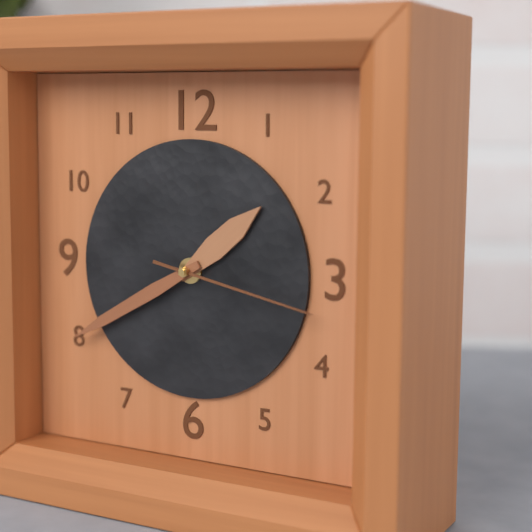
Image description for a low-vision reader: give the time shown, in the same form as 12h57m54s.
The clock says 1h40m17s
